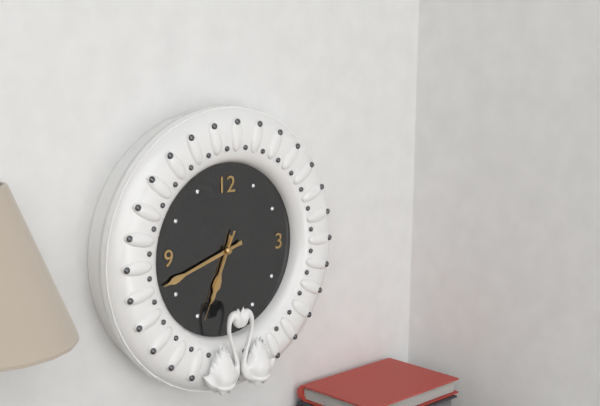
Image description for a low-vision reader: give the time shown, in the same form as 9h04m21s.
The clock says 6h42m34s
